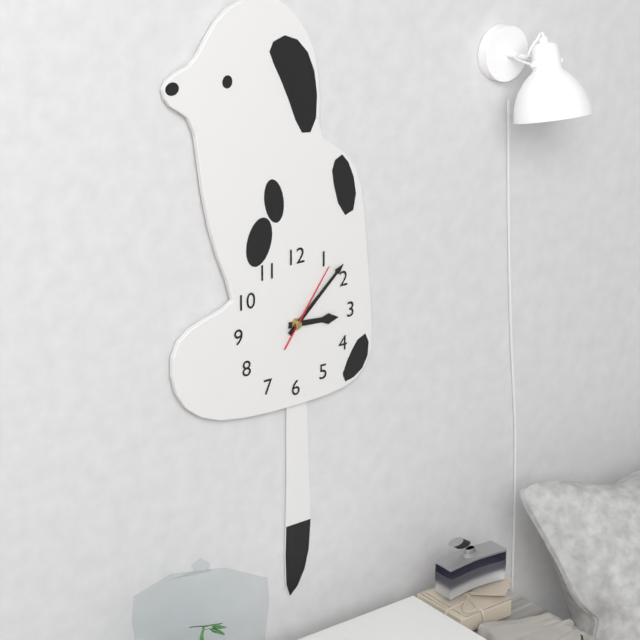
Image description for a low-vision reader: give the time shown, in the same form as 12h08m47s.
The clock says 3h08m06s
